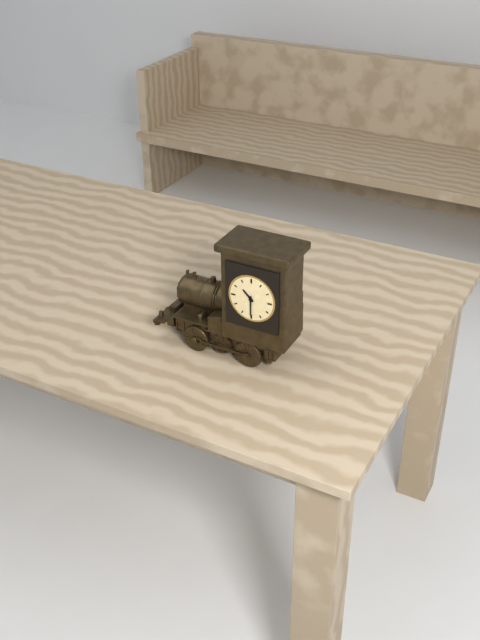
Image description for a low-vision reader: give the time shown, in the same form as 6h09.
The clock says 10h30
